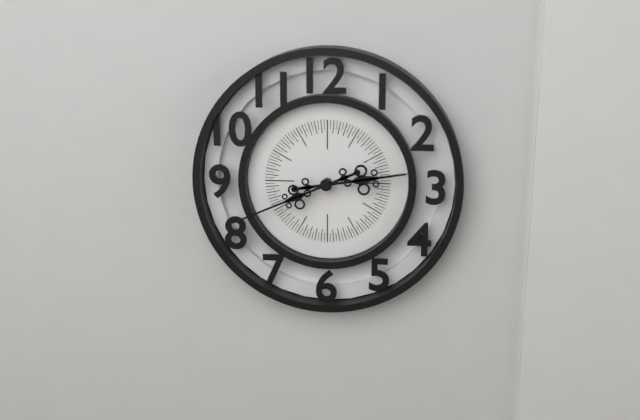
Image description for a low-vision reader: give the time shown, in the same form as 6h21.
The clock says 2h41
